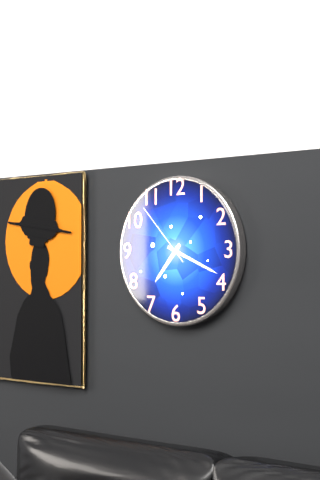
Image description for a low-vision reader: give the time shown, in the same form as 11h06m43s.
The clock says 7h19m53s
